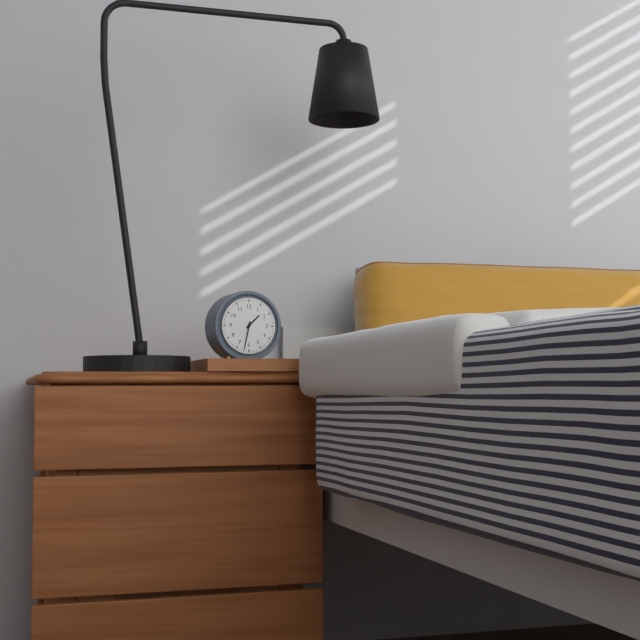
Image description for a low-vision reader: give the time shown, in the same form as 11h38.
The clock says 1h32
